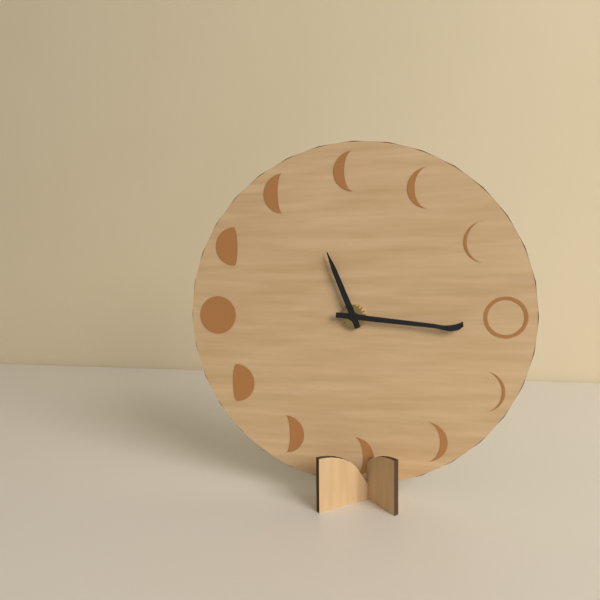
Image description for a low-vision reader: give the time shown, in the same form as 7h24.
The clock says 11h16
